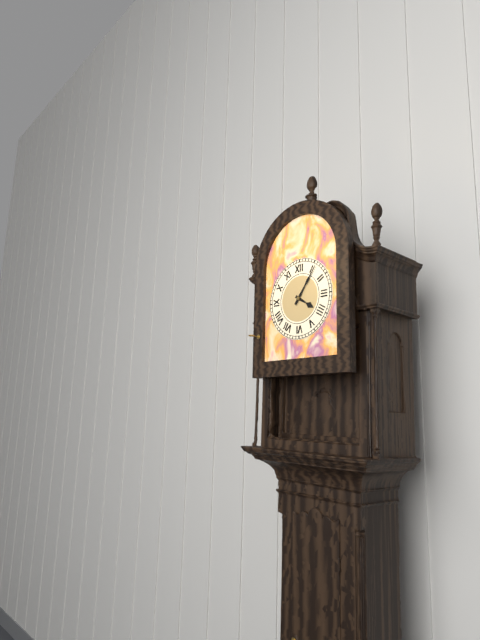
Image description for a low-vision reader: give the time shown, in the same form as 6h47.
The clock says 4h06
